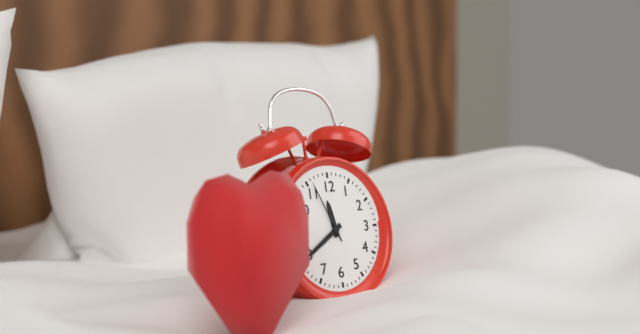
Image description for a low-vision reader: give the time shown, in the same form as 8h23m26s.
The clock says 11h40m56s
